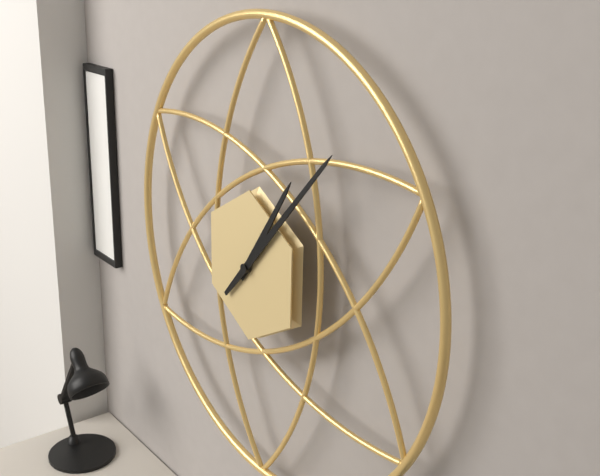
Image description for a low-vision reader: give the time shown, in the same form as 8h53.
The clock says 1h07
